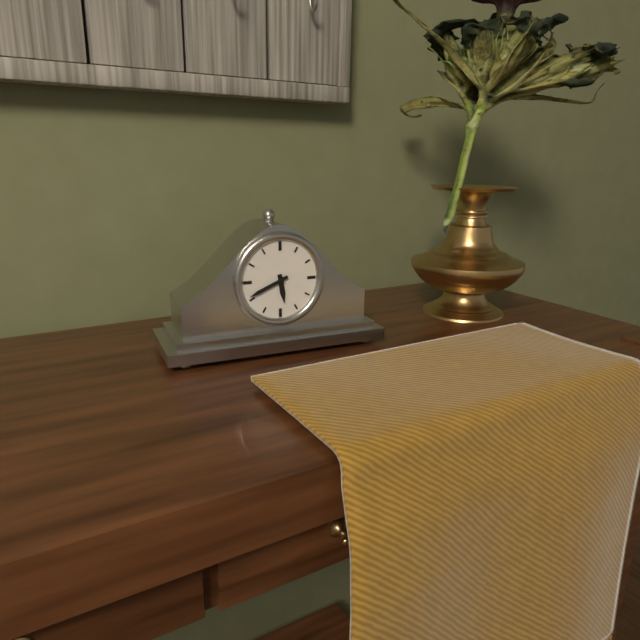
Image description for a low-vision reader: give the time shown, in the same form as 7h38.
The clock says 5h41
